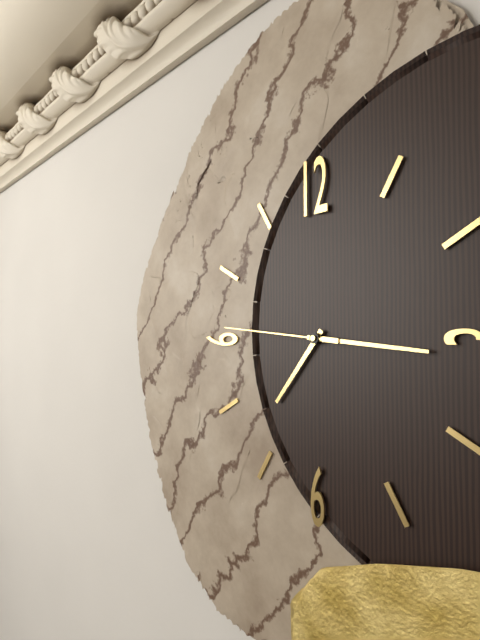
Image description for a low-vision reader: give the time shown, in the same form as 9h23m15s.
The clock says 7h16m46s
